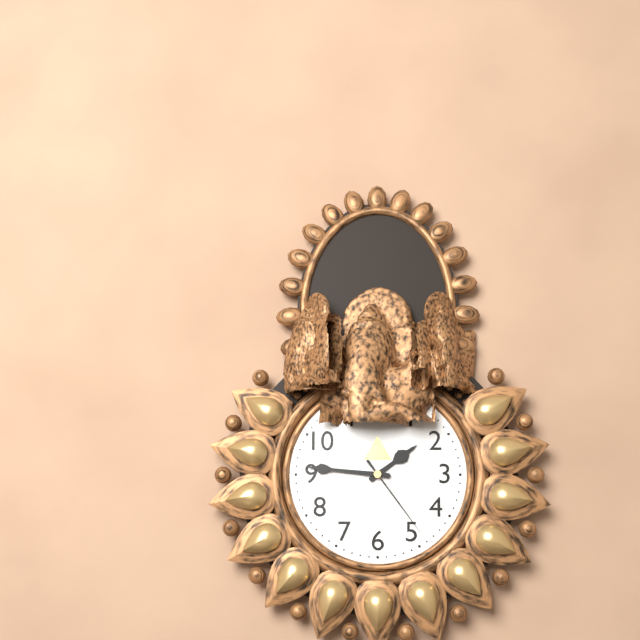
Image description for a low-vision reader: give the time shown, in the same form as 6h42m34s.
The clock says 1h46m24s
